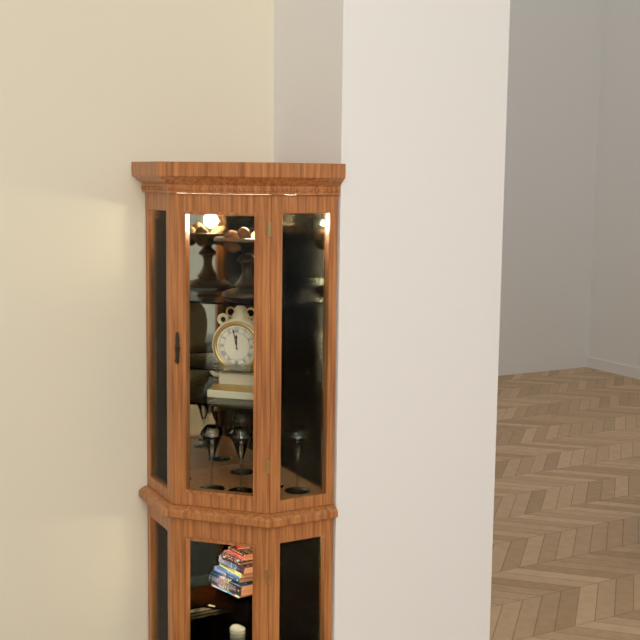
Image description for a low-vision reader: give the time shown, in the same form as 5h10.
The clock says 11h58
